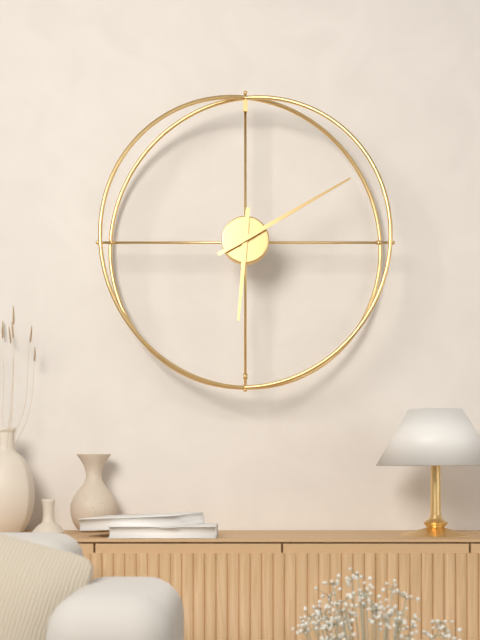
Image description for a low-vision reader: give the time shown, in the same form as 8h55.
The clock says 6h10
